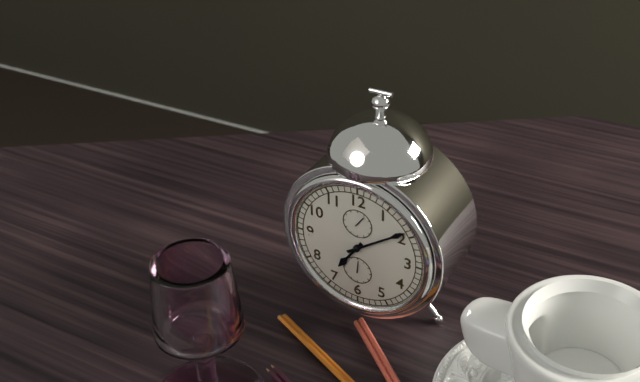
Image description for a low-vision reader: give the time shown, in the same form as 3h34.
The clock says 7h09
